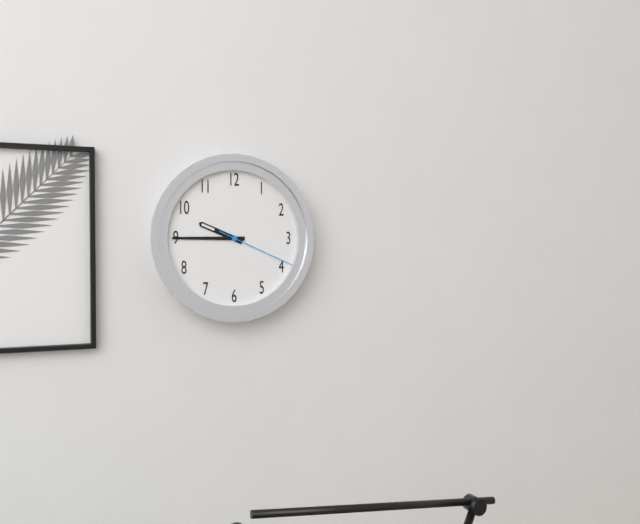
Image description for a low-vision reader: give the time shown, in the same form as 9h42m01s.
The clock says 9h45m19s
